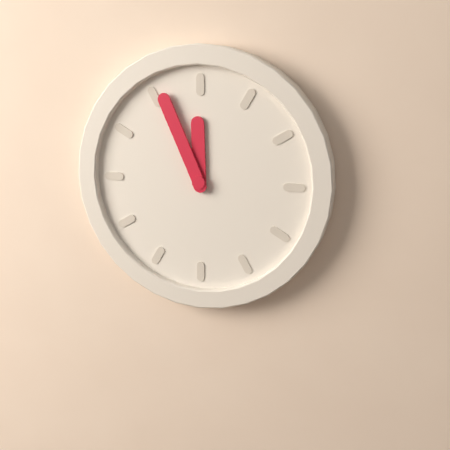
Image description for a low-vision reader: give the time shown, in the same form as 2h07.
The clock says 11h56
